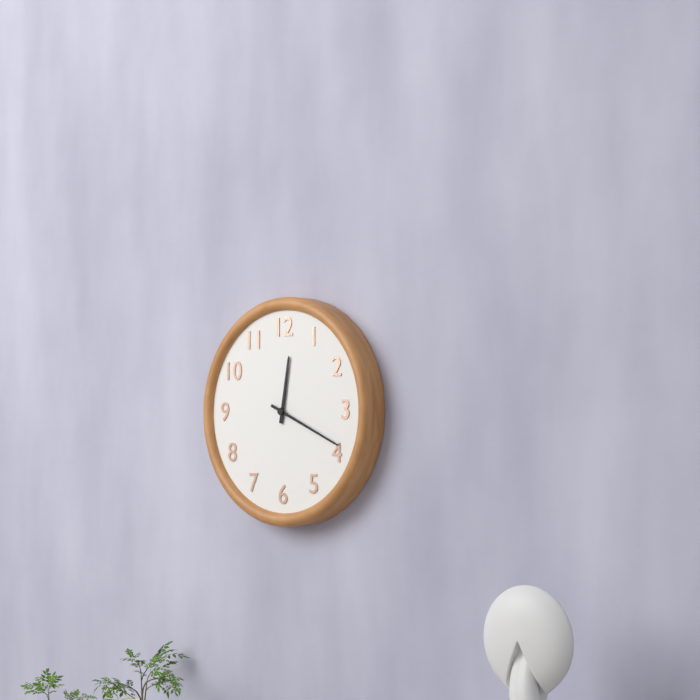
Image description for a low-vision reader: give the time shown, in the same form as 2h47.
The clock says 12h19
